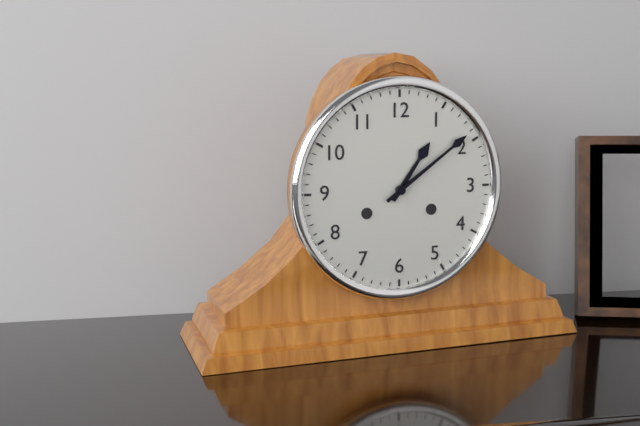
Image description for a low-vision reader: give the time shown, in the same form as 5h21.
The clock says 1h09
